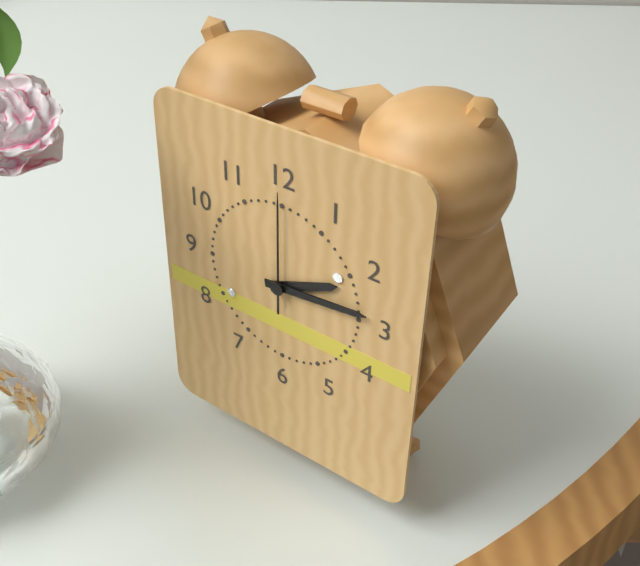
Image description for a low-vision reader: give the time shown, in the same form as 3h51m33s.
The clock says 2h14m00s
